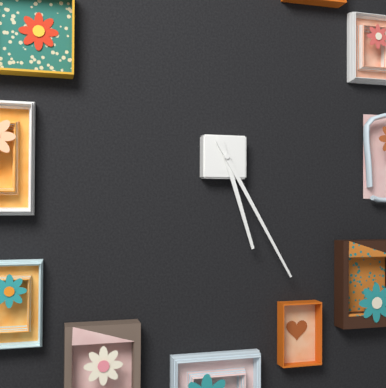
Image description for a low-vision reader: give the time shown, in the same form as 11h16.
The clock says 5h25
